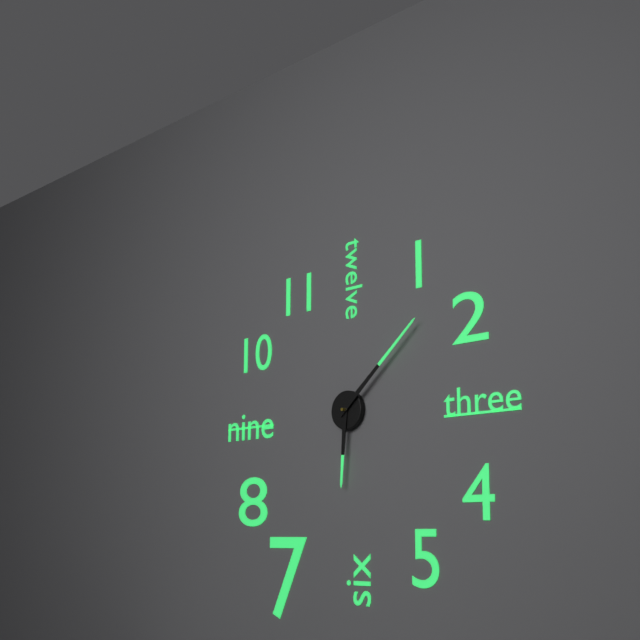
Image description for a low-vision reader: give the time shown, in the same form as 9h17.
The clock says 6h08
